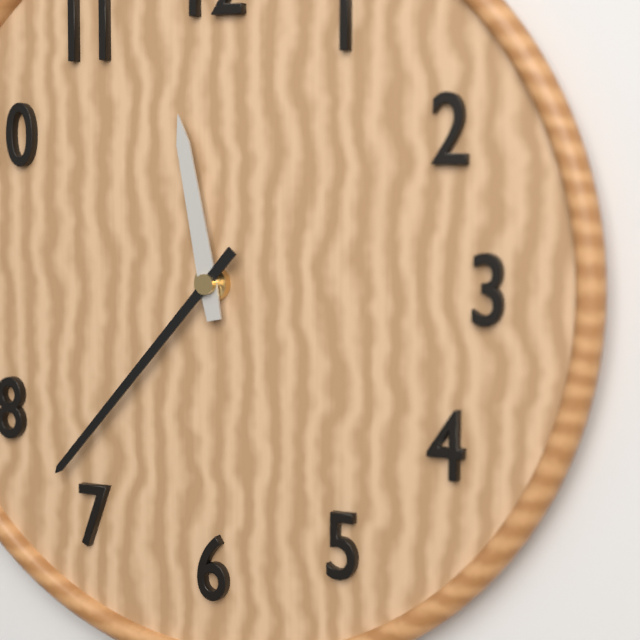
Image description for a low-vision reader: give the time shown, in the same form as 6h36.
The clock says 11h37
